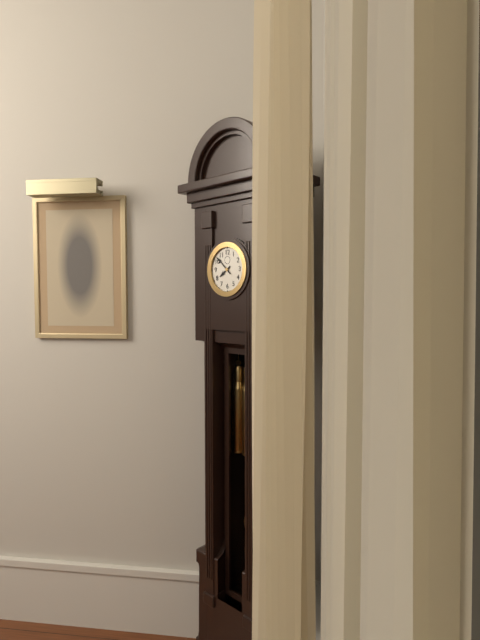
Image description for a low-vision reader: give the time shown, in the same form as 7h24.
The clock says 7h52
